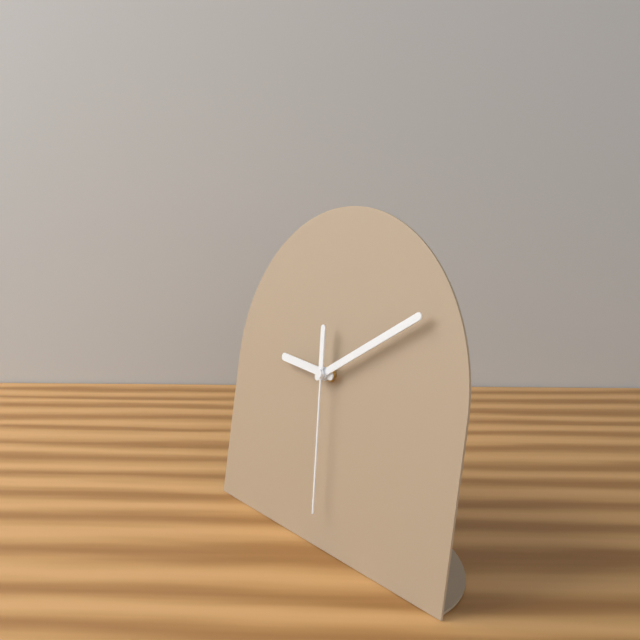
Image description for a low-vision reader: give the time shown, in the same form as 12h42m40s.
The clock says 9h10m29s
